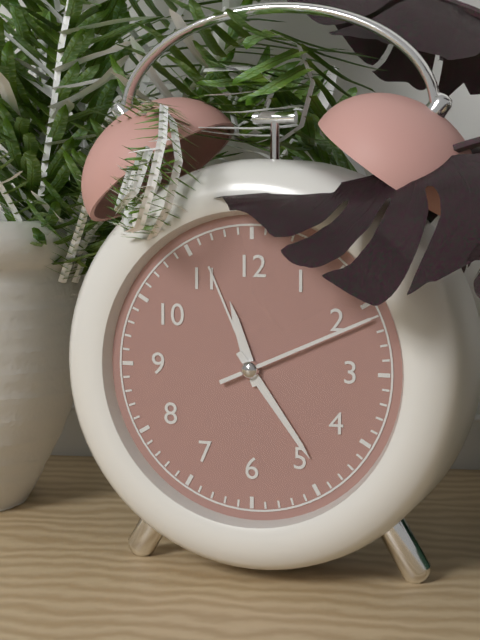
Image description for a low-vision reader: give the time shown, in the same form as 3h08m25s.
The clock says 11h24m11s
